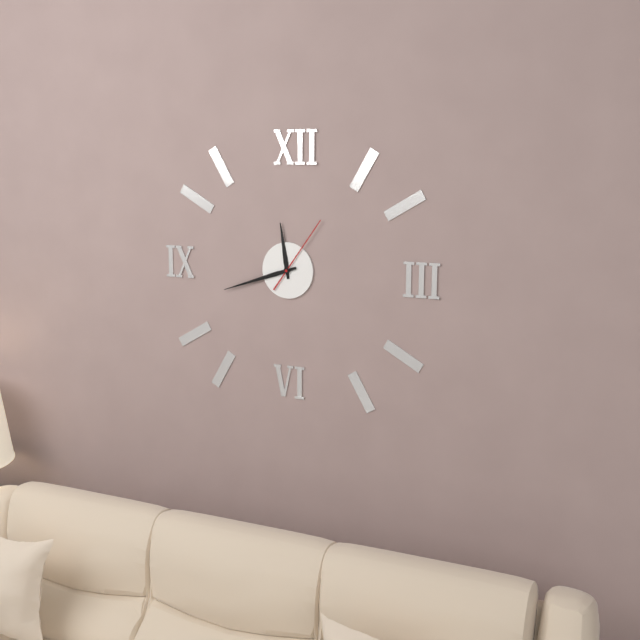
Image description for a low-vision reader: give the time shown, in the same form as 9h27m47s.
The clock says 11h42m06s
